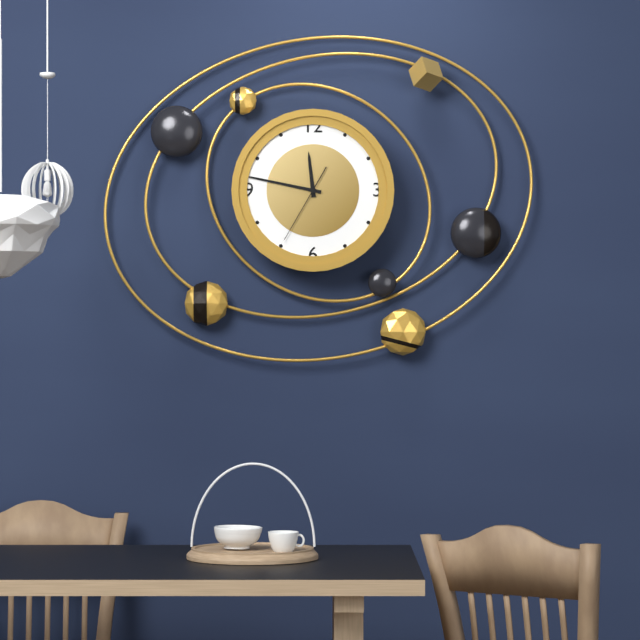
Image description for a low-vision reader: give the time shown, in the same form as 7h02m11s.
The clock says 11h47m35s
